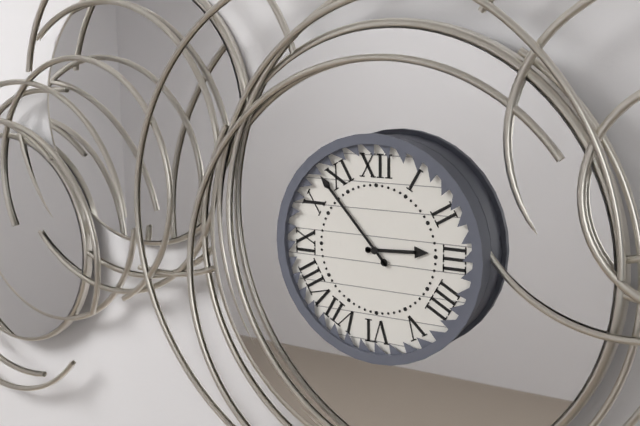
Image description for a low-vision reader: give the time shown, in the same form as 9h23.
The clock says 2h53
